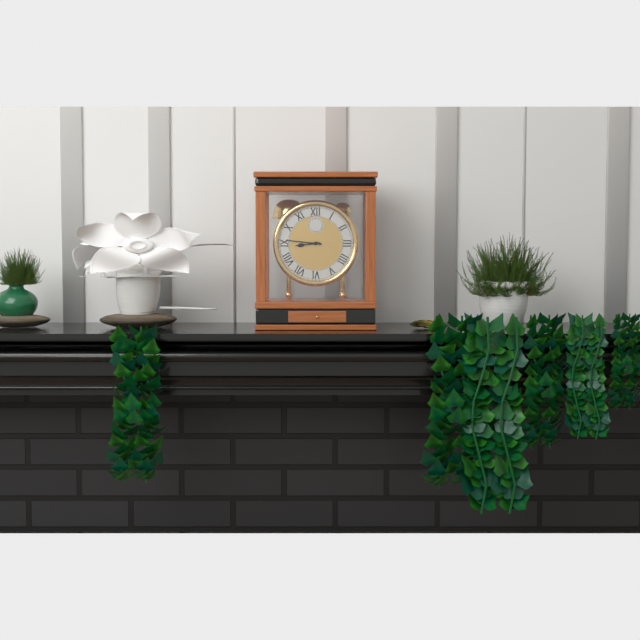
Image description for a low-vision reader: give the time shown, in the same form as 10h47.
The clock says 8h46
